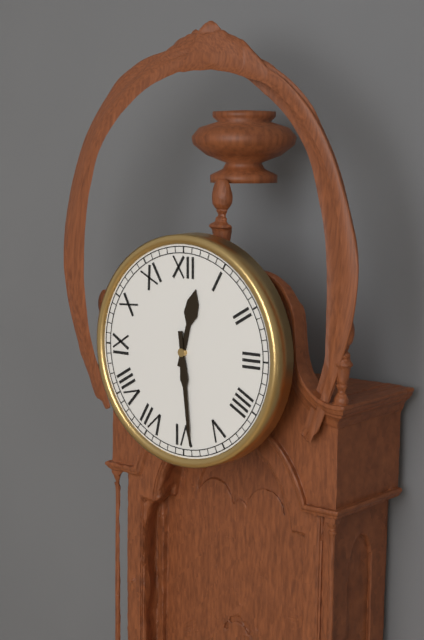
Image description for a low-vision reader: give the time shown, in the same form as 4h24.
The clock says 12h29
